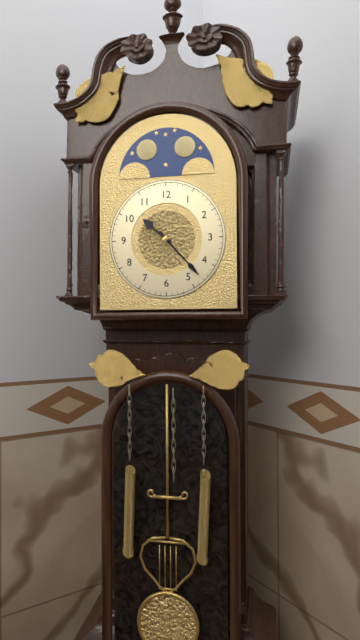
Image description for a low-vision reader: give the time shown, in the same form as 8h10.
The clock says 10h23
